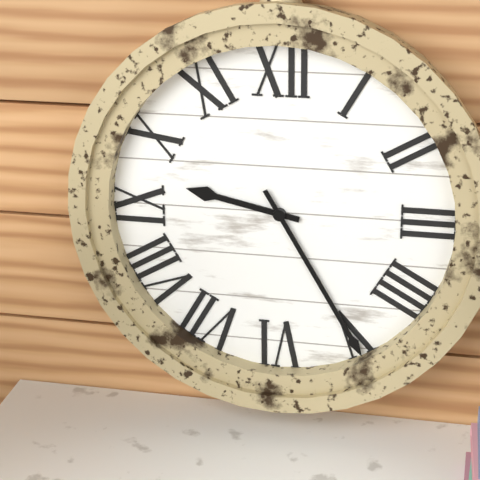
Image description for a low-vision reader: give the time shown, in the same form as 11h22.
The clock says 9h25
